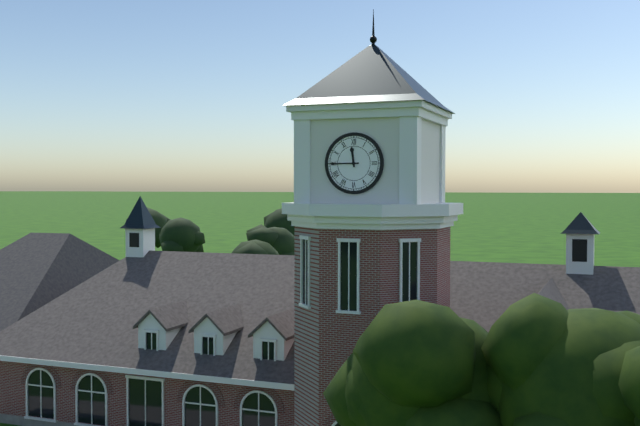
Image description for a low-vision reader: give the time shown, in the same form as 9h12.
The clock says 11h45
